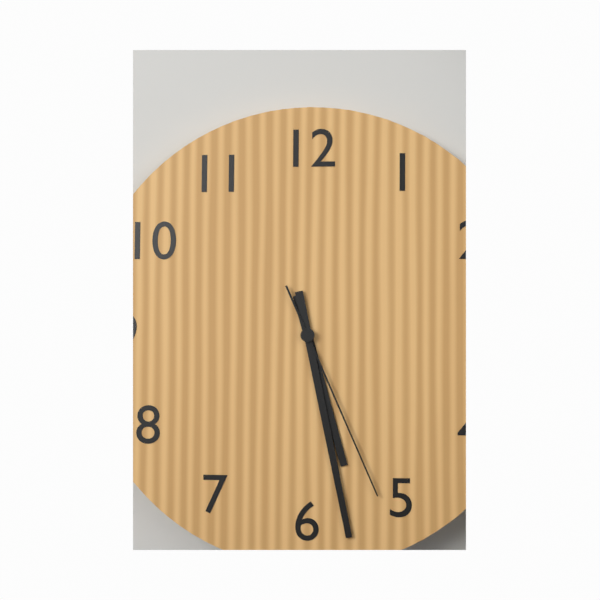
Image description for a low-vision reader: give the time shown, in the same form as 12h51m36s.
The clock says 5h28m26s
